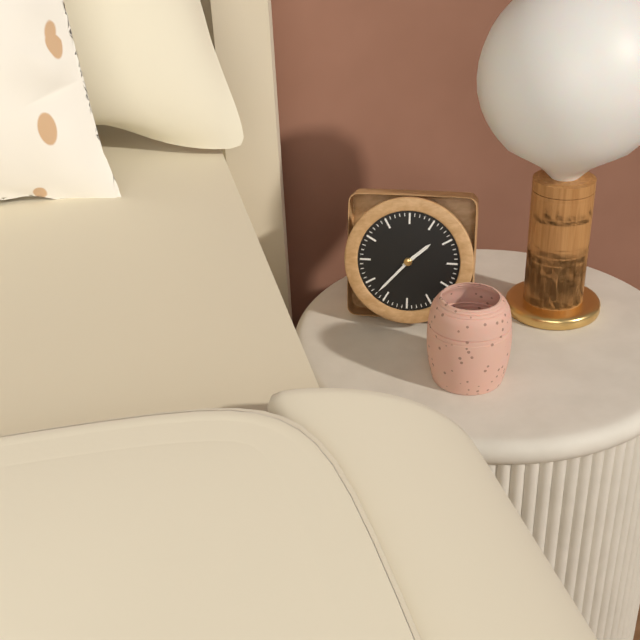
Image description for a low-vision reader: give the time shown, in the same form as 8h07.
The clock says 1h37
